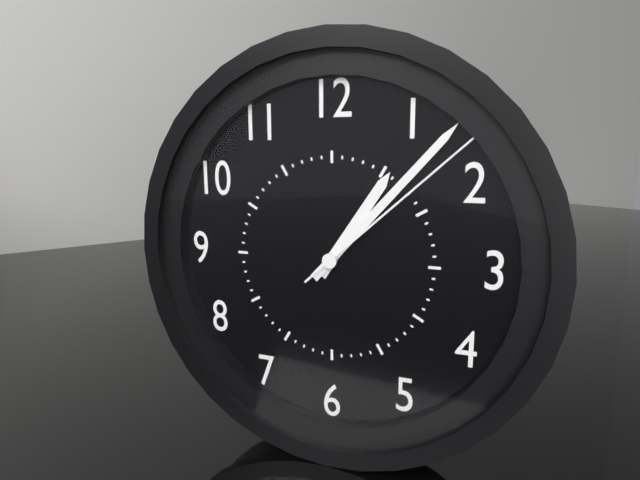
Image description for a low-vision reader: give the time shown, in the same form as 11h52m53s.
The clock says 1h07m08s
